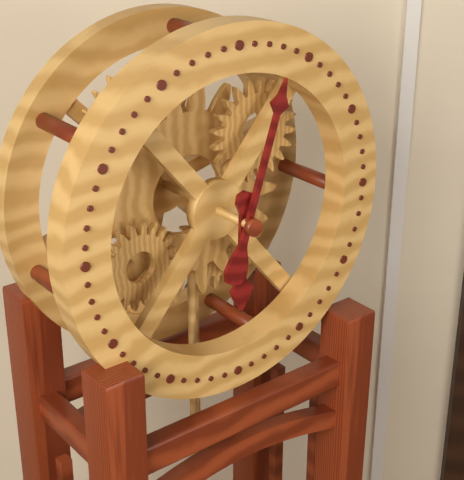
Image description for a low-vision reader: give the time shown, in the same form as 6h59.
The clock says 6h03
